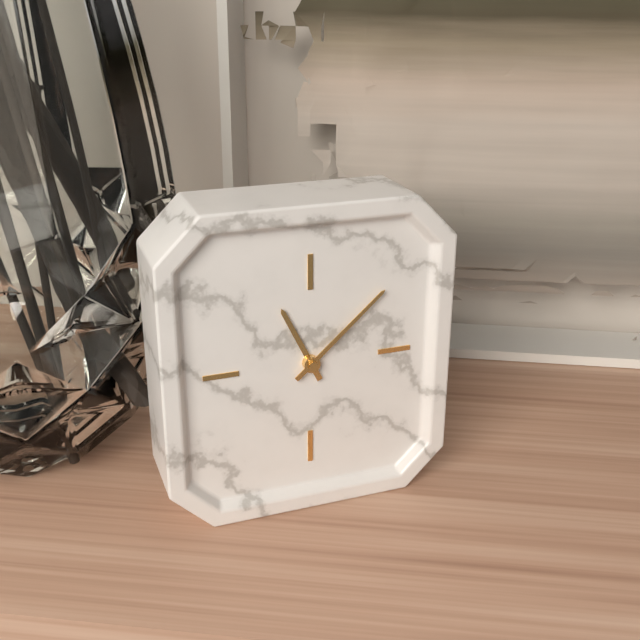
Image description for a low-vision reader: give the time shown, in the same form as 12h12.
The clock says 11h08
